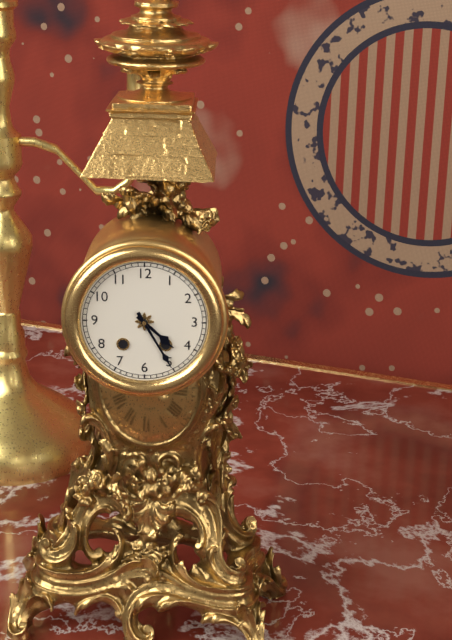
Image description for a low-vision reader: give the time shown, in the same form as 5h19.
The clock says 4h25
